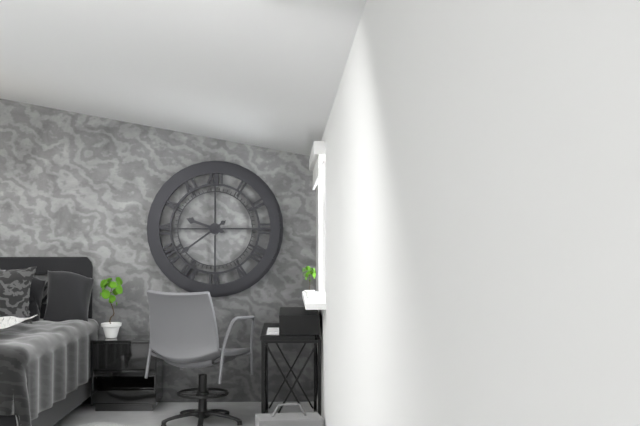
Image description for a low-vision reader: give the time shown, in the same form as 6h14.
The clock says 9h39
